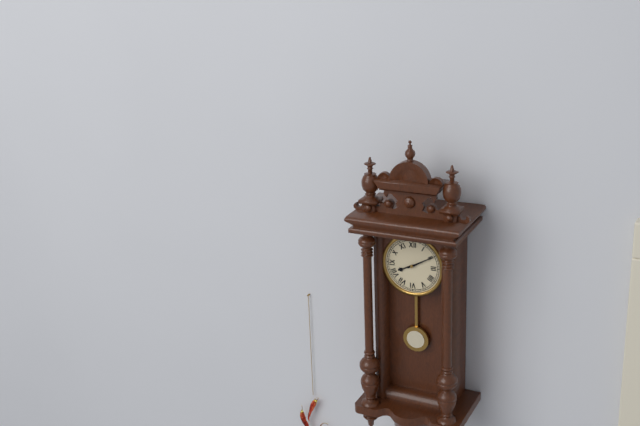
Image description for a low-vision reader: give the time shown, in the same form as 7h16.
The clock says 8h10
